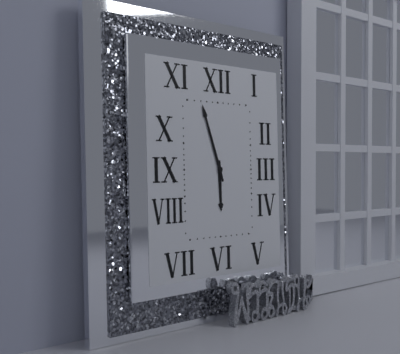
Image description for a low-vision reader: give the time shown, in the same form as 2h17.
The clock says 5h57
